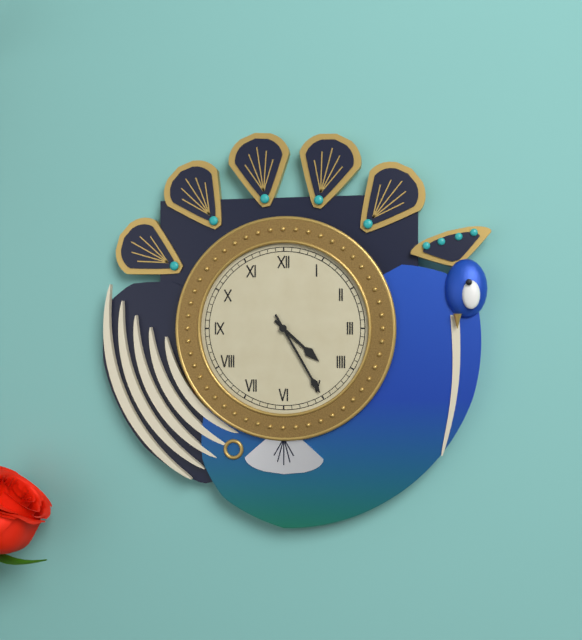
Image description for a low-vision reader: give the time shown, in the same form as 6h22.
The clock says 4h25
